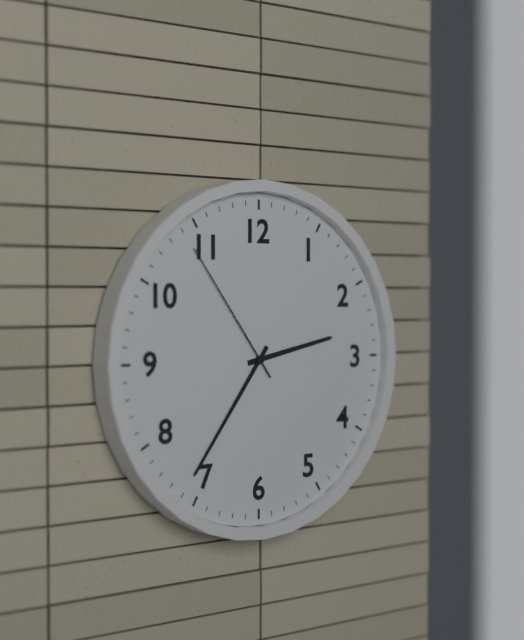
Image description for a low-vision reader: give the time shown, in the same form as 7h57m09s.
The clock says 2h36m54s
